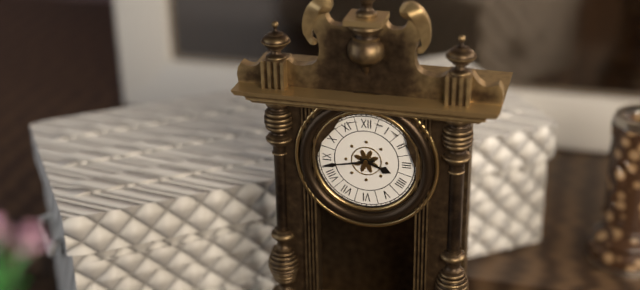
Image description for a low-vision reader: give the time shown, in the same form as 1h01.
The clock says 3h43
